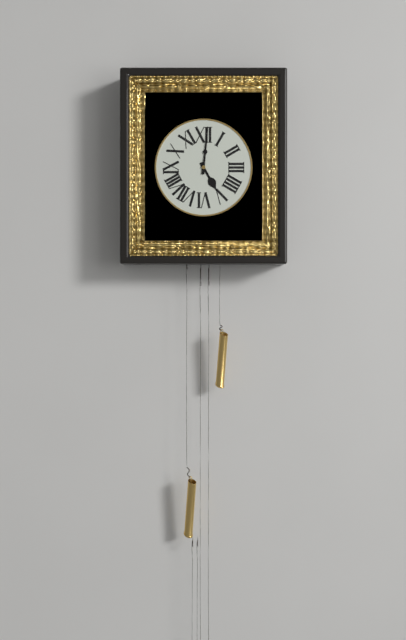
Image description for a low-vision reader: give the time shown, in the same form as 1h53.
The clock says 5h01
